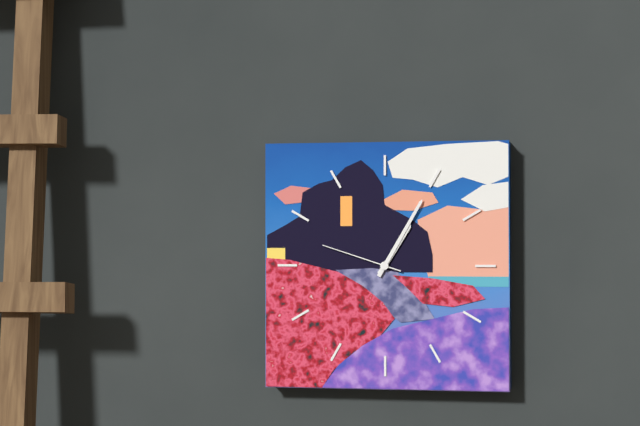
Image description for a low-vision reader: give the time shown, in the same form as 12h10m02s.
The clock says 1h05m48s
